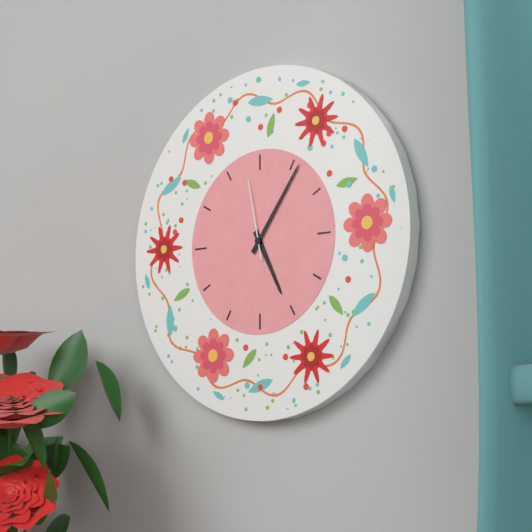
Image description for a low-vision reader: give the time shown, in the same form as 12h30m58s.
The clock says 5h06m58s
